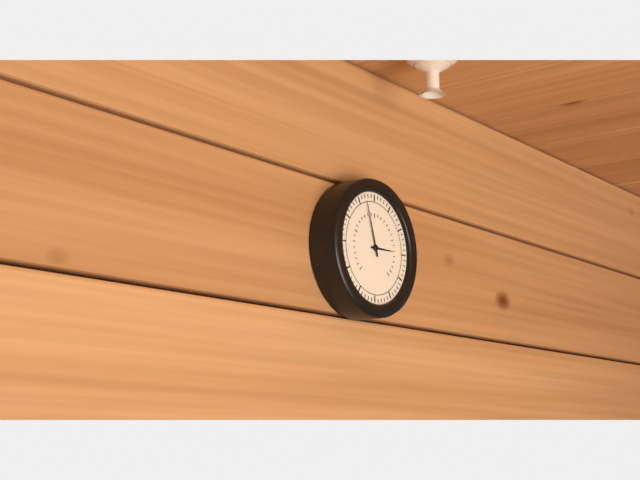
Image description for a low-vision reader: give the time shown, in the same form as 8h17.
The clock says 2h57
